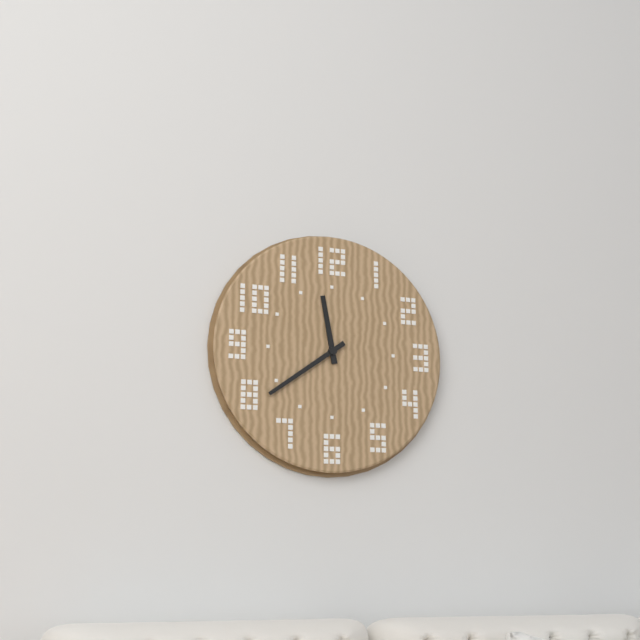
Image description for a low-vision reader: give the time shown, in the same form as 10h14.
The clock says 11h39
